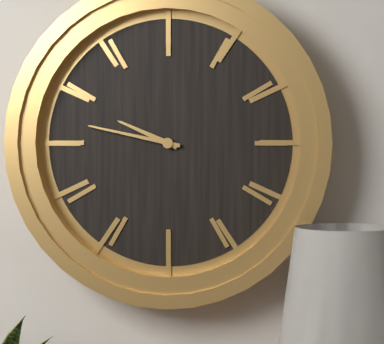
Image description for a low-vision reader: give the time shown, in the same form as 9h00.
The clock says 9h47
